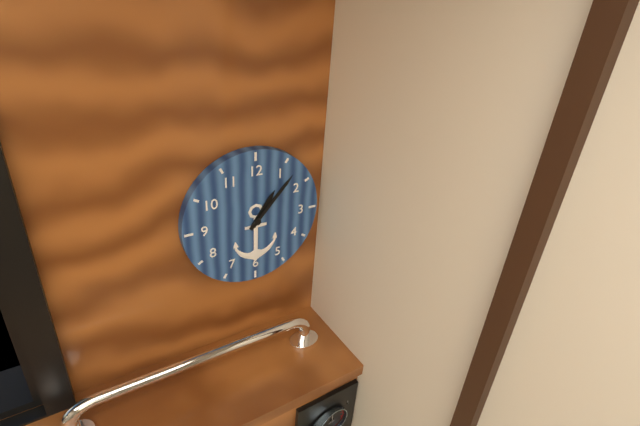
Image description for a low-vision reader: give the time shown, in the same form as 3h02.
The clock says 1h07
